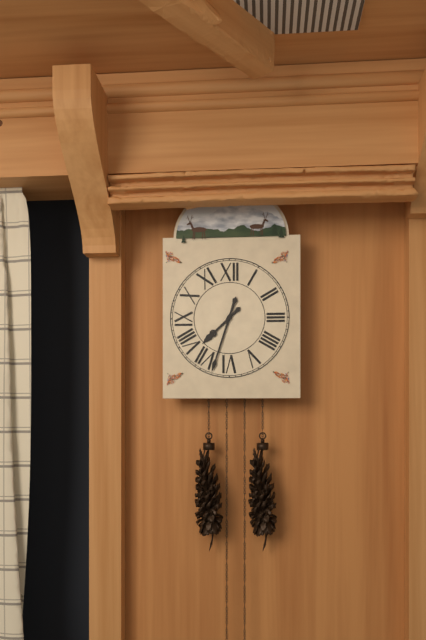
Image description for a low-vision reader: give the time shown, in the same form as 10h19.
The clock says 7h33
